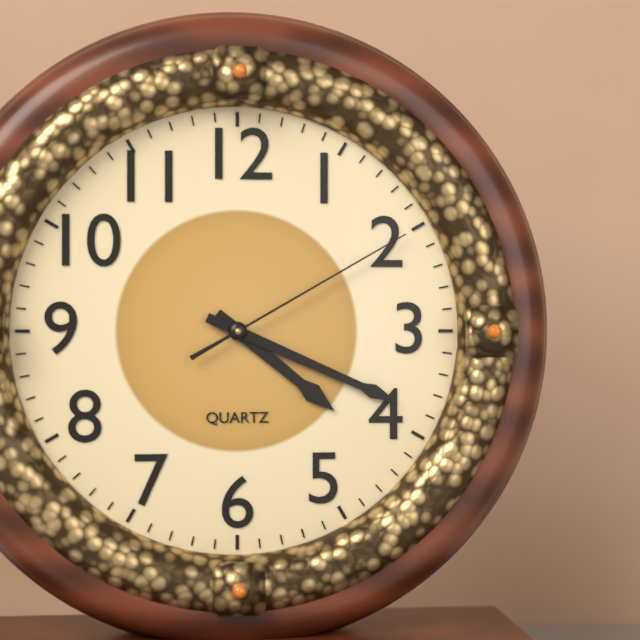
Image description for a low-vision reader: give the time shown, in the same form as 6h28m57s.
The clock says 4h19m10s
